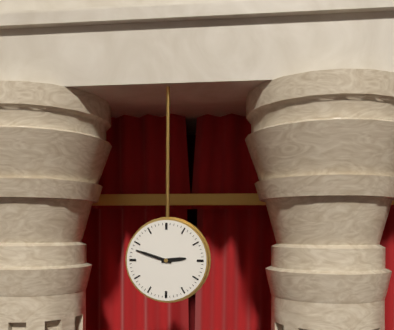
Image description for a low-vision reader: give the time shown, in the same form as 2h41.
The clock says 2h48
